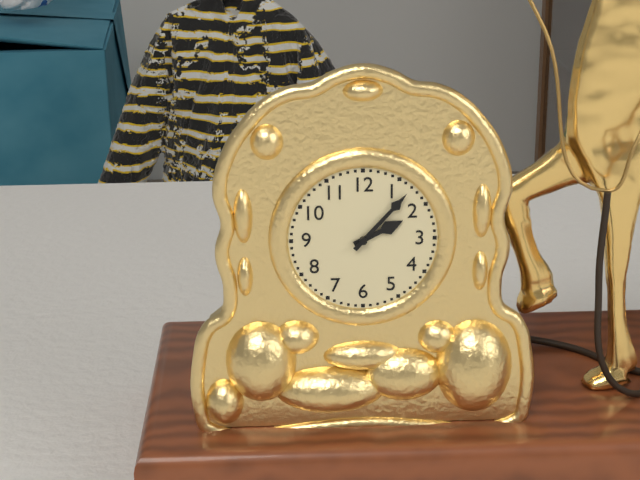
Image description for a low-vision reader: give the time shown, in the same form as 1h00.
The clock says 2h07
